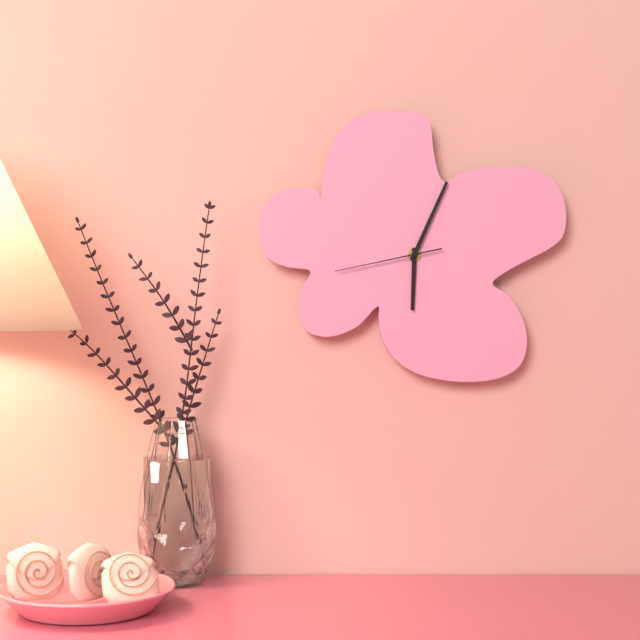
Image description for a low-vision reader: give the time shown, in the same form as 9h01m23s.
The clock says 6h04m43s
